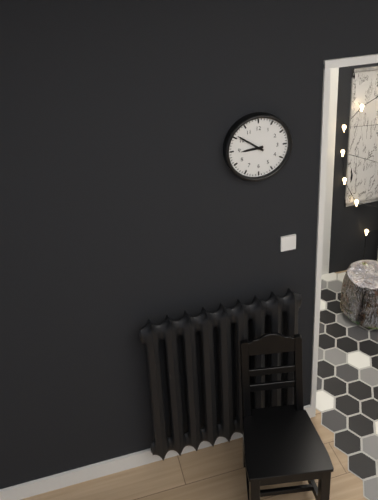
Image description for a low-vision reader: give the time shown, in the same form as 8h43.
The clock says 8h51
